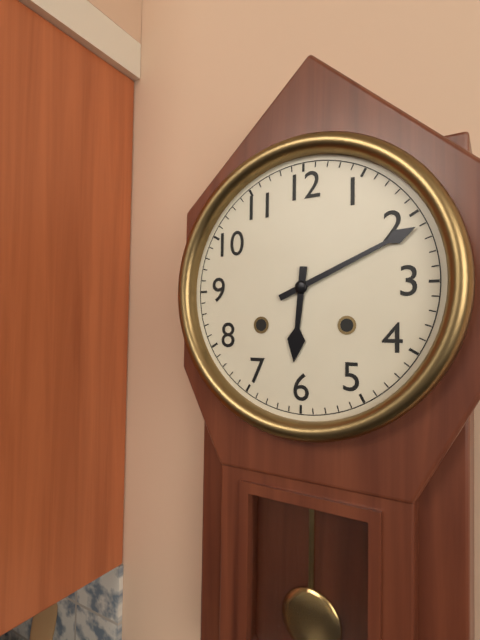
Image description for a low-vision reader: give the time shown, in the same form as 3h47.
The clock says 6h11
